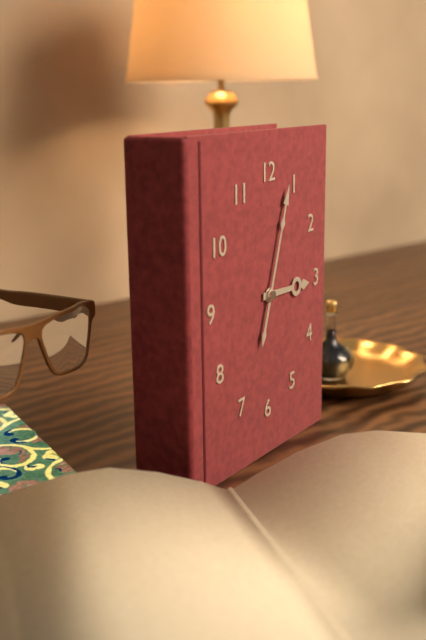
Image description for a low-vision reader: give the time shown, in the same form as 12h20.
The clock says 3h03
